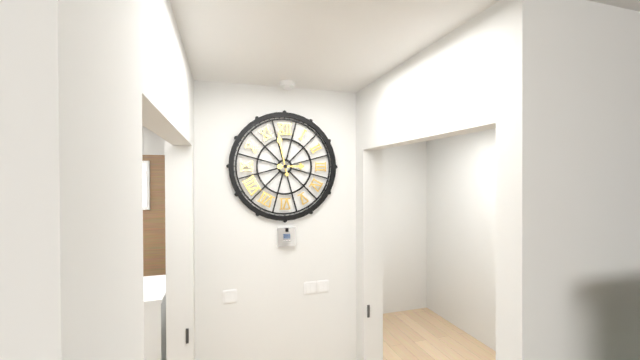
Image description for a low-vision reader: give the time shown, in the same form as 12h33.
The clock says 2h58
